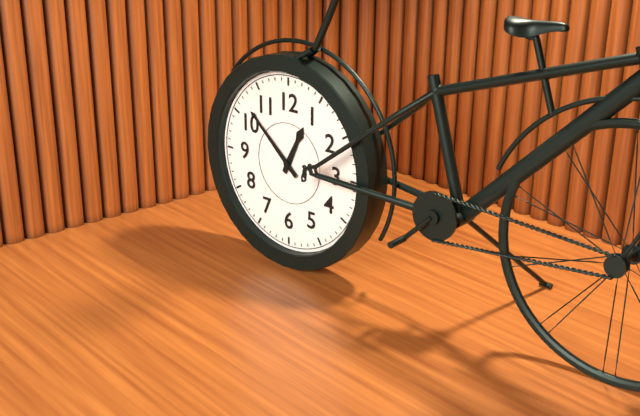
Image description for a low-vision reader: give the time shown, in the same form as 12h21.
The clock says 12h52
